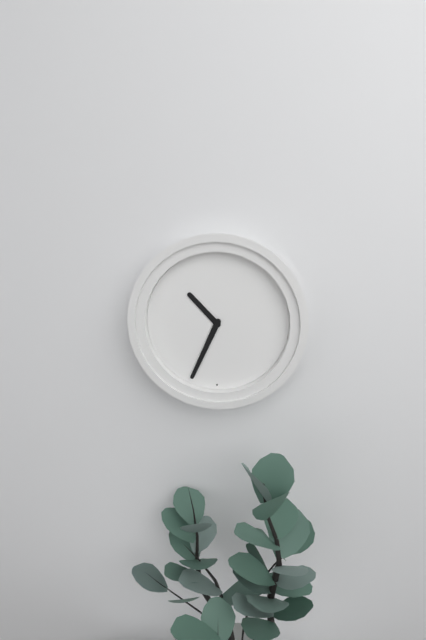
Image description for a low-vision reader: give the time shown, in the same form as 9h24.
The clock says 10h34
